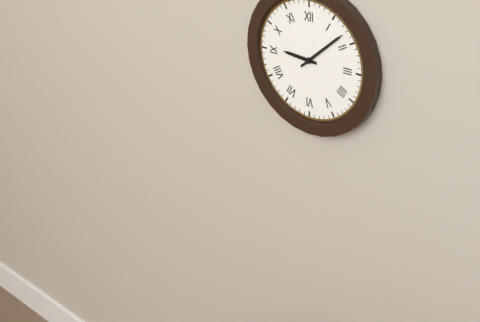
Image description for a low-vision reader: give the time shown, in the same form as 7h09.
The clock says 9h08
